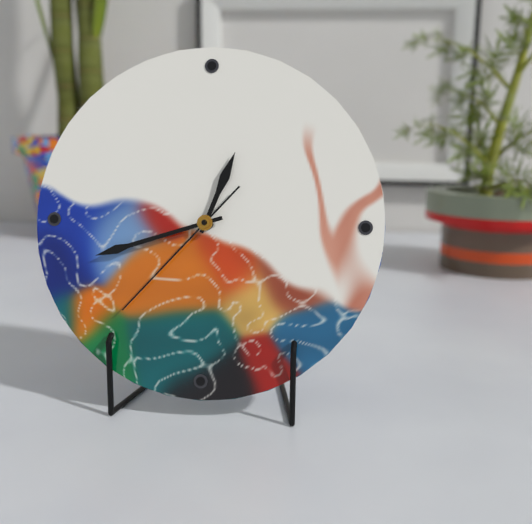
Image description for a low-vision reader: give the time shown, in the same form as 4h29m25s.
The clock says 12h42m37s
